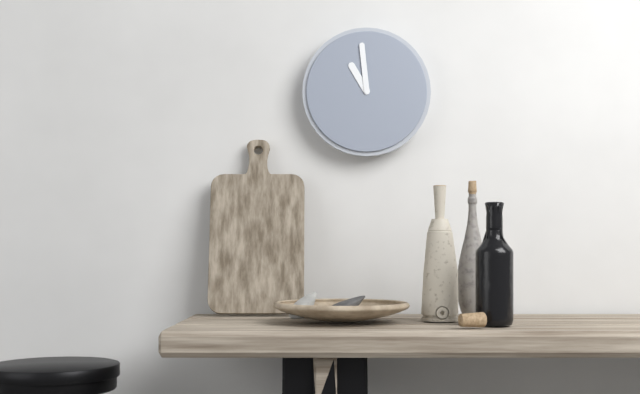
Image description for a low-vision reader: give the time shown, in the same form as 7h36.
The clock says 10h59
